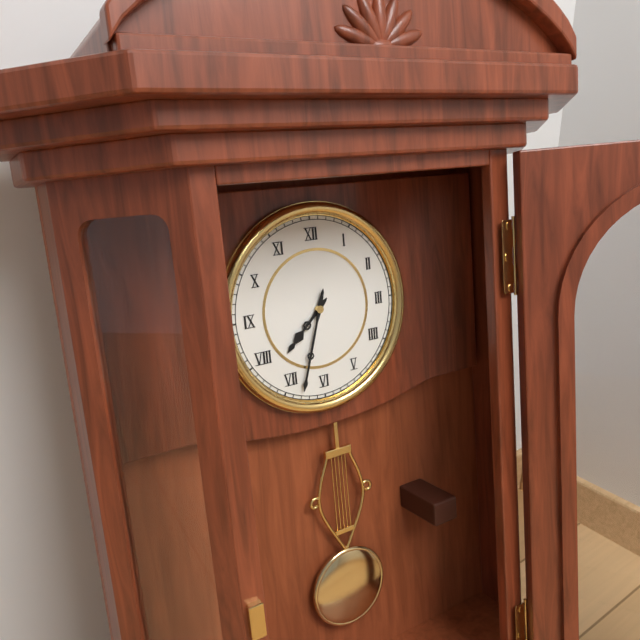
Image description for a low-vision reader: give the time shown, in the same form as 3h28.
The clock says 7h33
